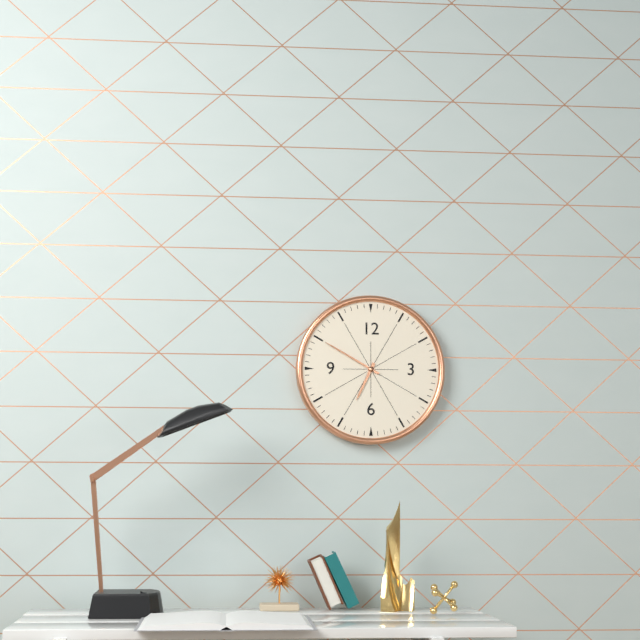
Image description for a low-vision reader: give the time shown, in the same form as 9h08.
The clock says 6h50
